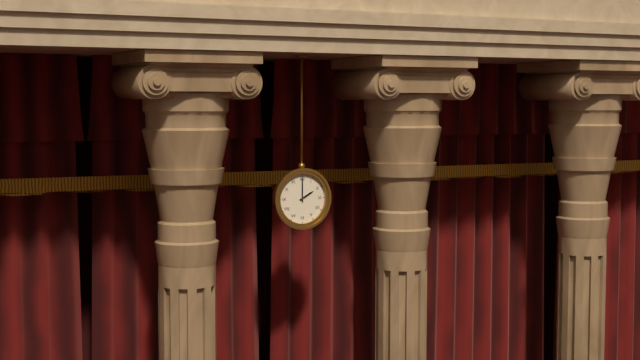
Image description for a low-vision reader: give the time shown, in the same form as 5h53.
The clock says 2h00
